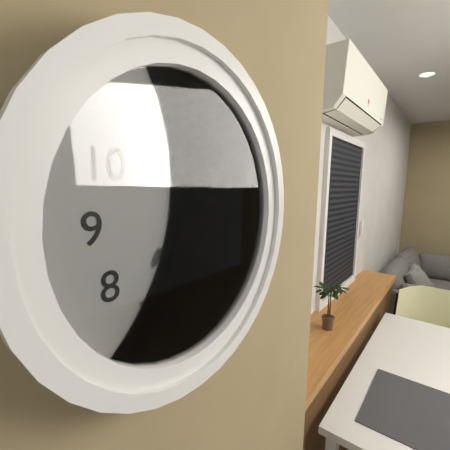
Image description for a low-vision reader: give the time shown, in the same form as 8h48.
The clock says 7h34
